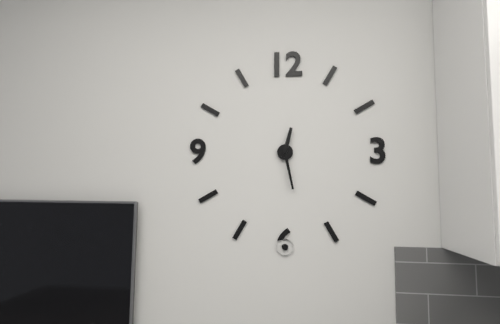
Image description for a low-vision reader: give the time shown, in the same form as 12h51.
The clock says 12h28
